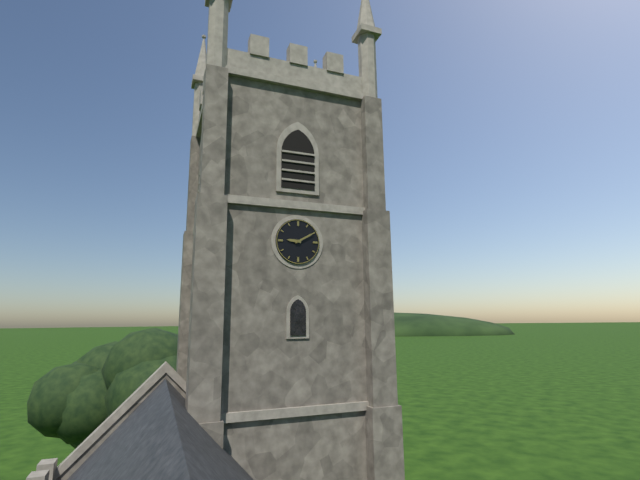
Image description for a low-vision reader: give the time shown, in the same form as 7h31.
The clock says 9h10
